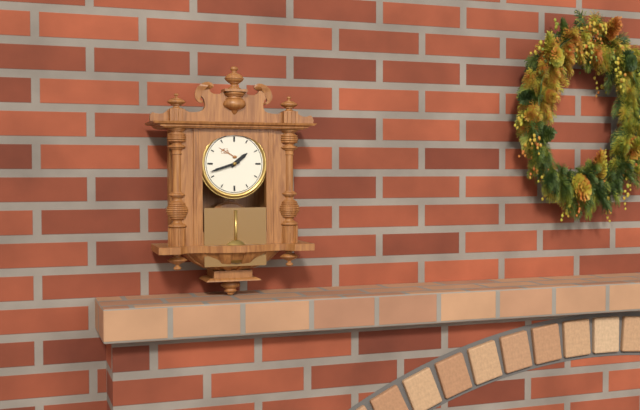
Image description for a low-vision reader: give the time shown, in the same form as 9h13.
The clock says 1h42
